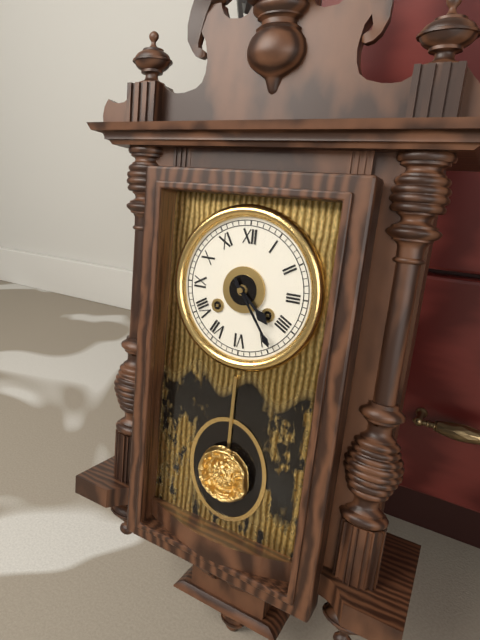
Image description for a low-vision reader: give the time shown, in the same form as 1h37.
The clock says 4h24
